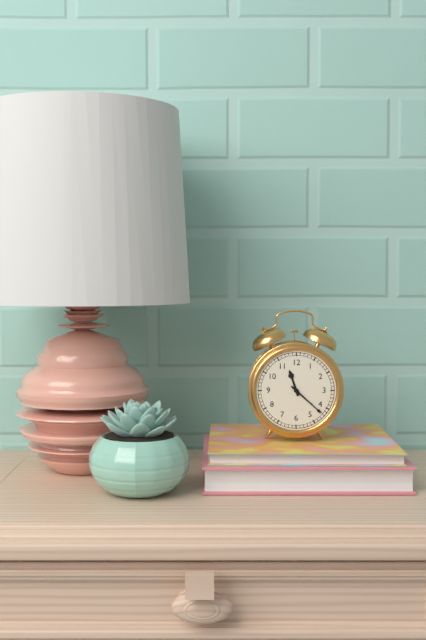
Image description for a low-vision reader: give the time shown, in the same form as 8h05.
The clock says 11h22
